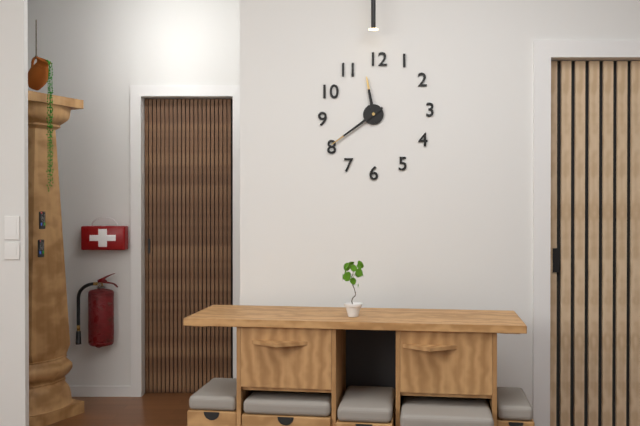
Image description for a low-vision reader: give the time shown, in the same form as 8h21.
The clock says 11h39
